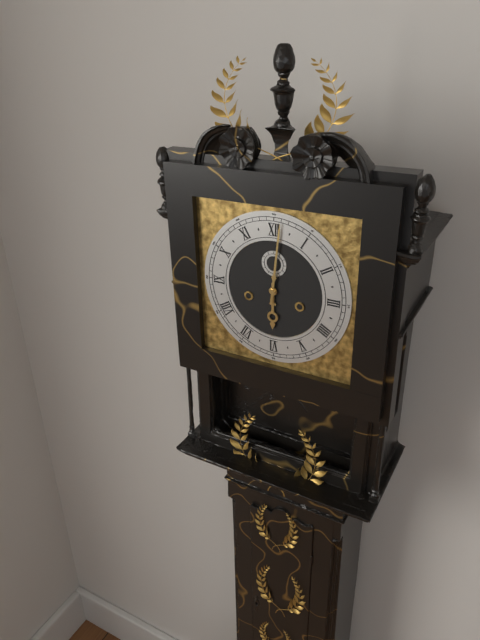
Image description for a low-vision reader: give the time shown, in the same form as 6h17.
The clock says 6h01
